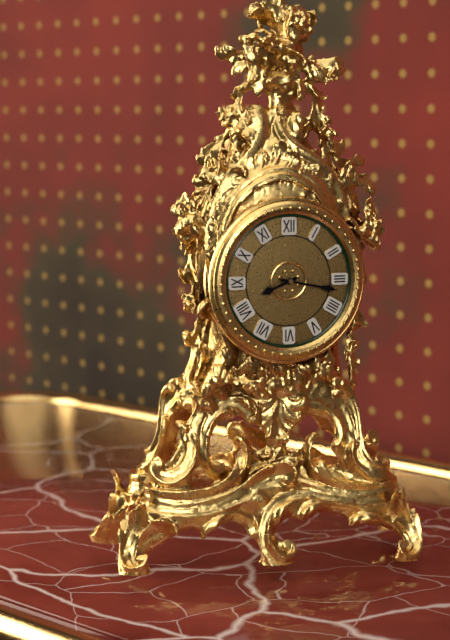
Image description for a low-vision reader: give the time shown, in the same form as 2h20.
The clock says 8h17
